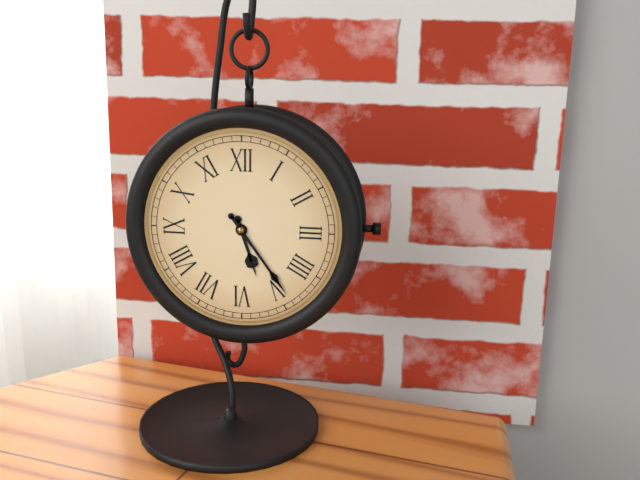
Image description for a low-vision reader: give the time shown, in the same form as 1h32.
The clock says 5h24
